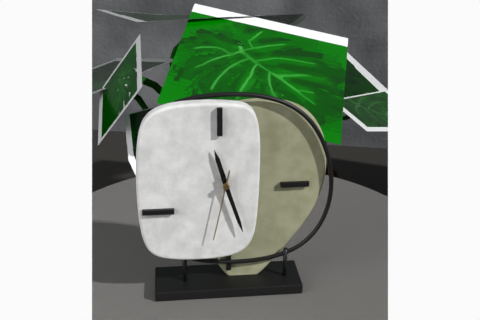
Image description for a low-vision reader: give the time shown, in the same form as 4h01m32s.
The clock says 11h27m32s
